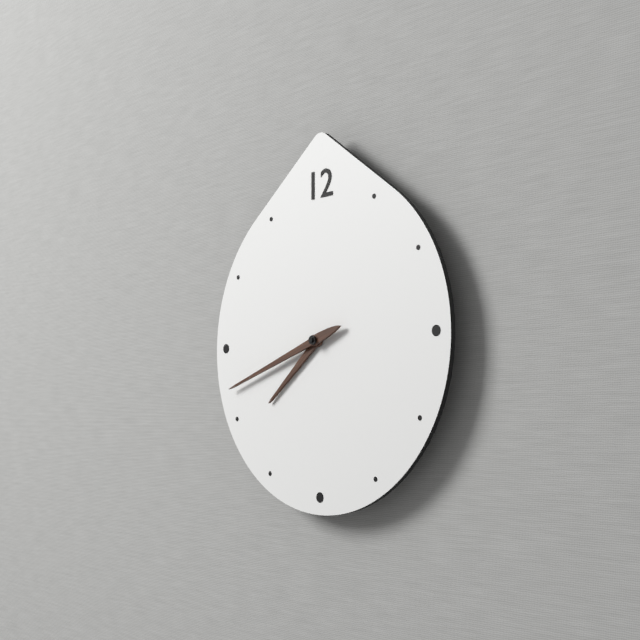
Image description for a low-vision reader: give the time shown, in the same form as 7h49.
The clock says 7h42
